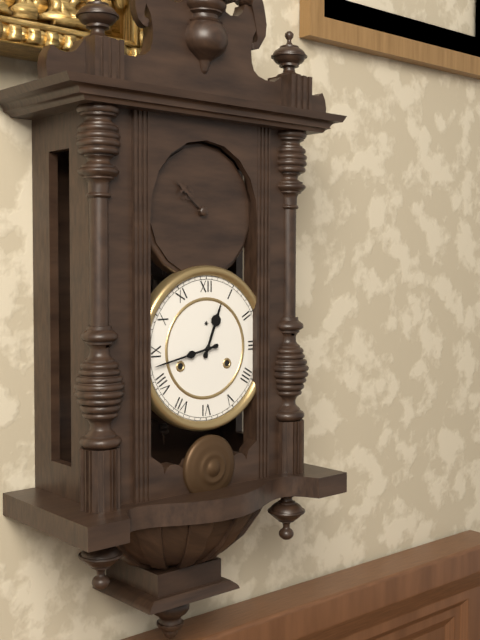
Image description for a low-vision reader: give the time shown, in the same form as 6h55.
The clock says 12h43
